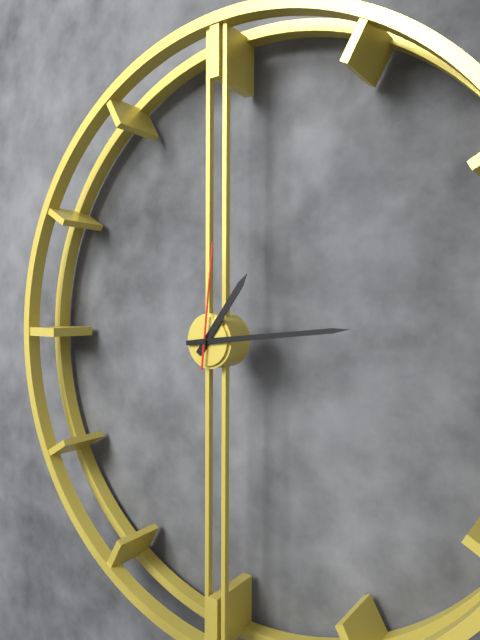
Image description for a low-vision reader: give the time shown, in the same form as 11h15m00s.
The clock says 1h14m01s
